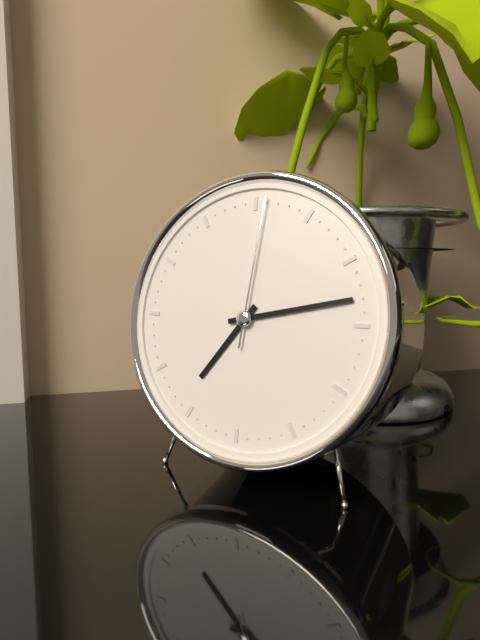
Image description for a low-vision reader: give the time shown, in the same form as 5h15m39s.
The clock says 7h13m01s
